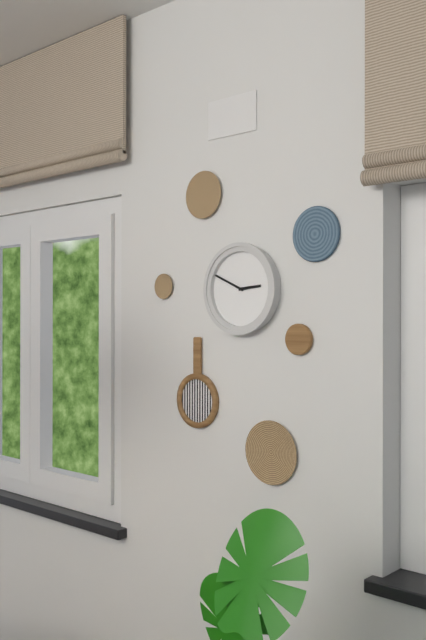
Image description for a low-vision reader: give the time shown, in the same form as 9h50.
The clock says 2h49
